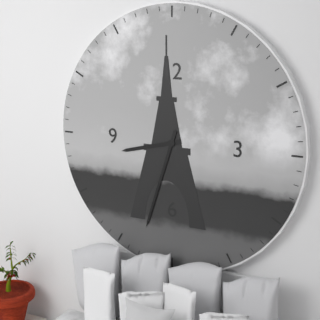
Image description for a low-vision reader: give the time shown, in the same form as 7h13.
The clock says 8h33
